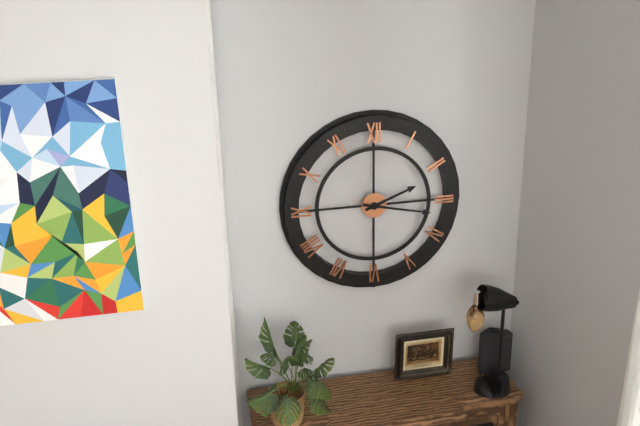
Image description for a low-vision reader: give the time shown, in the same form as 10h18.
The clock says 2h17
